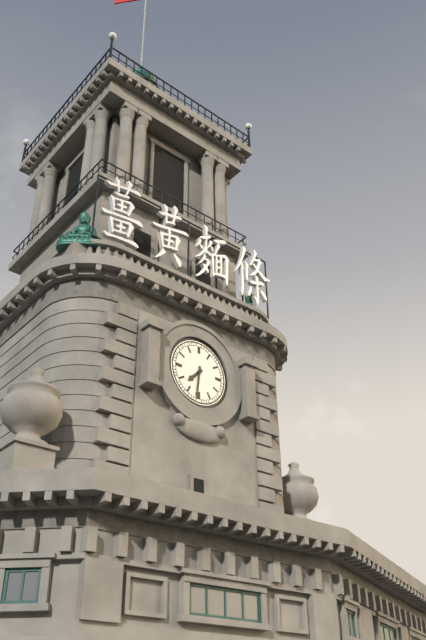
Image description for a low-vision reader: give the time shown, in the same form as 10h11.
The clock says 7h31
